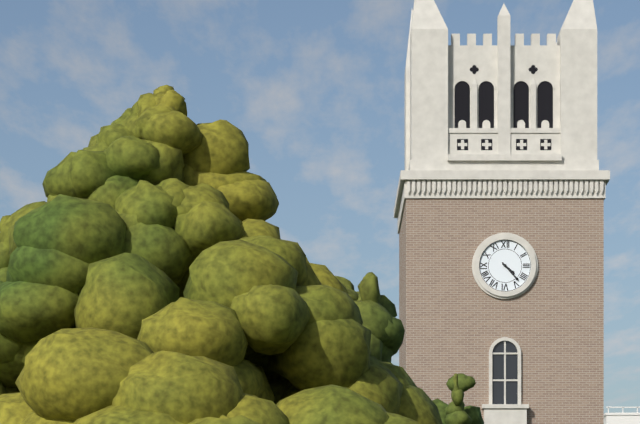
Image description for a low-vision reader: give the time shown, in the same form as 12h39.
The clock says 4h23
